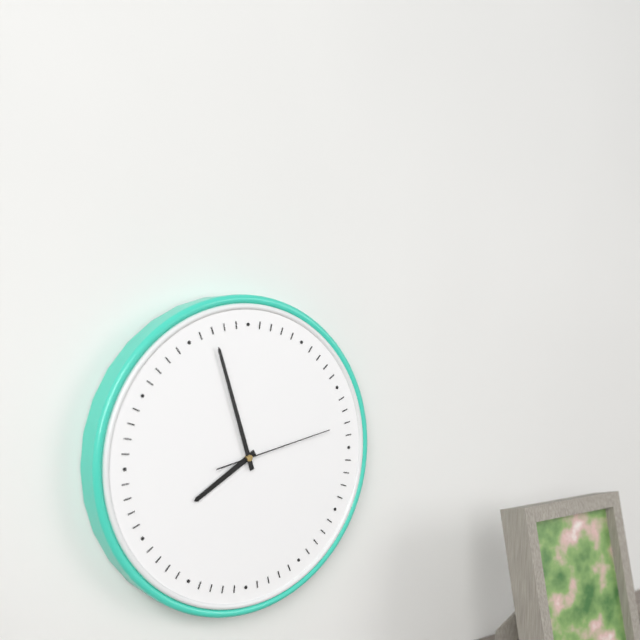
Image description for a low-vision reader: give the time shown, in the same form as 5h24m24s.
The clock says 7h57m13s
